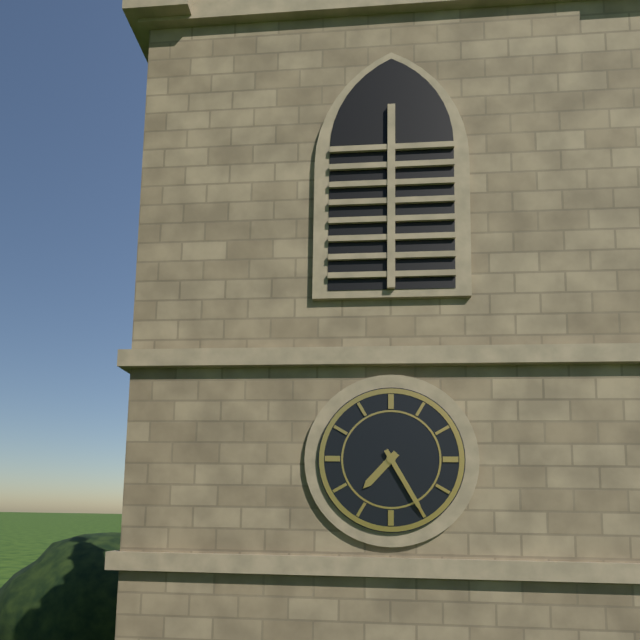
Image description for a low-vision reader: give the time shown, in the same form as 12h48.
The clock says 7h25
